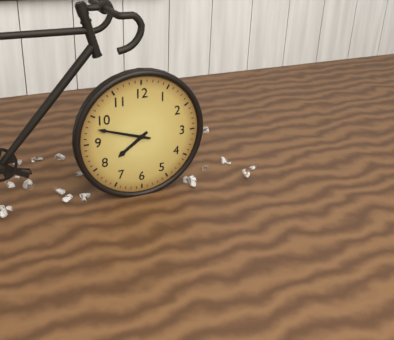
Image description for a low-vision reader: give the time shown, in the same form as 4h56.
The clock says 7h48
